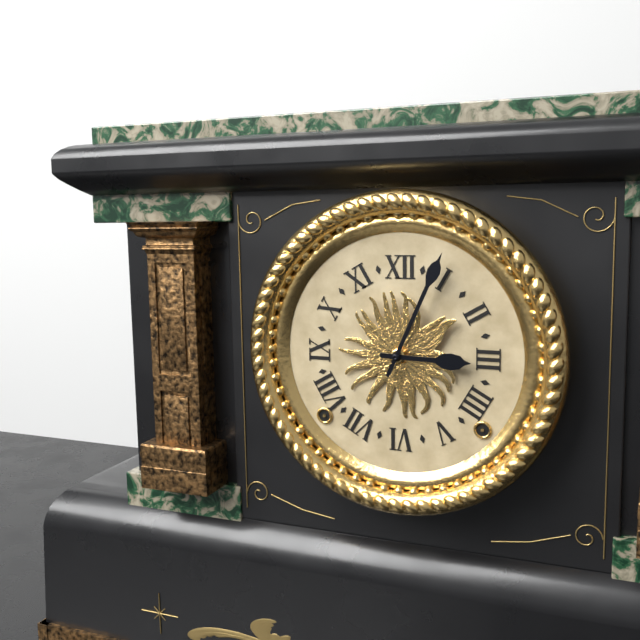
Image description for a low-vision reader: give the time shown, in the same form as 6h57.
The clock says 3h04
